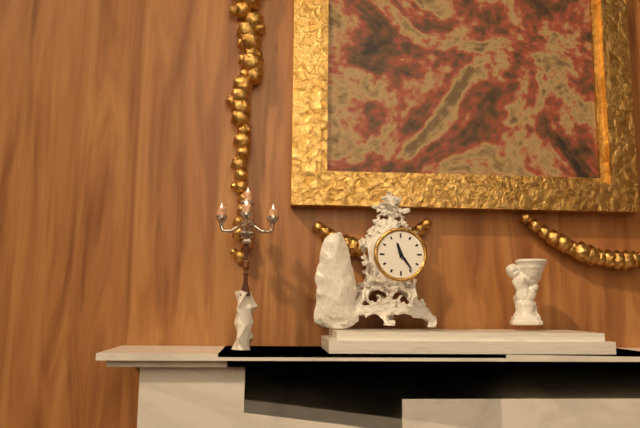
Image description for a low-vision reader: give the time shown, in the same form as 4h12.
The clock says 11h24
